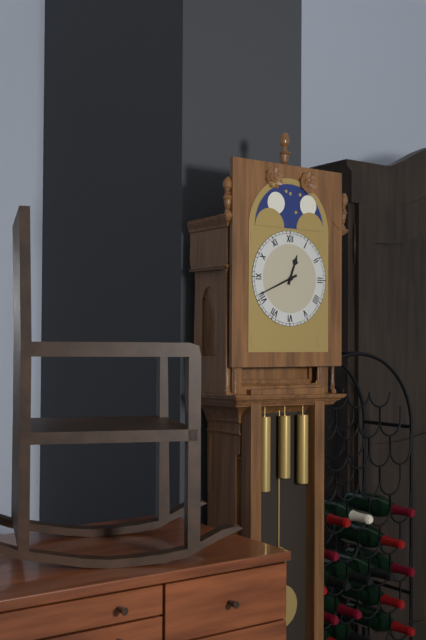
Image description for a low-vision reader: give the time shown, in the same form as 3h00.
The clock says 12h41
